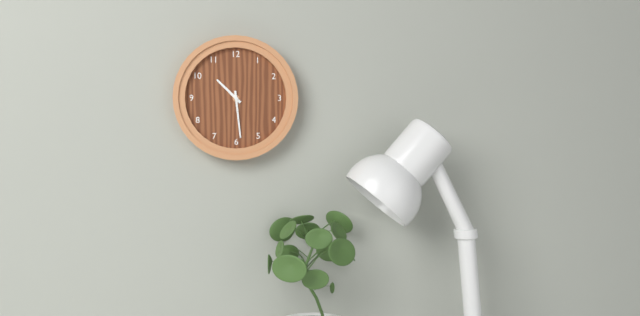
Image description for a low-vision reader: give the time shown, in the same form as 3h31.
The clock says 10h29
